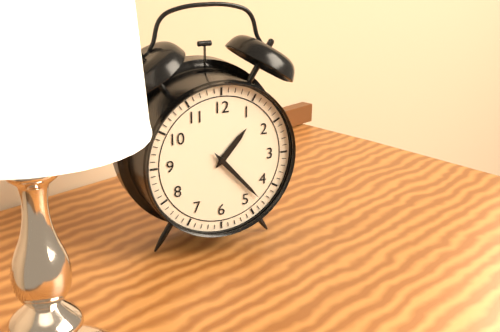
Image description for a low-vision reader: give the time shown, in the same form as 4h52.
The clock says 1h23
